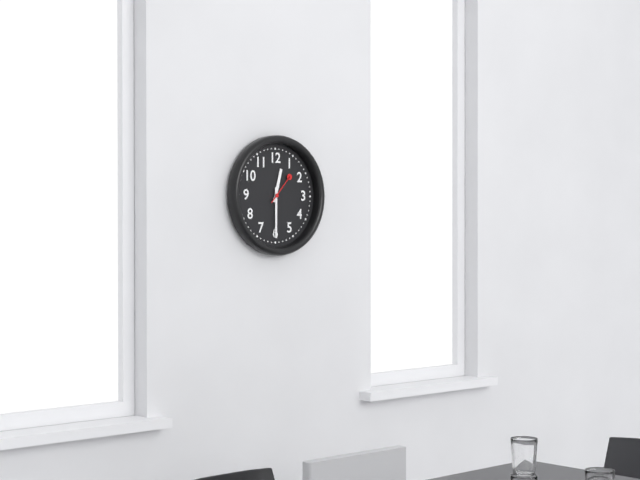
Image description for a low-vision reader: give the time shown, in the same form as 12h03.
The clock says 12h30
